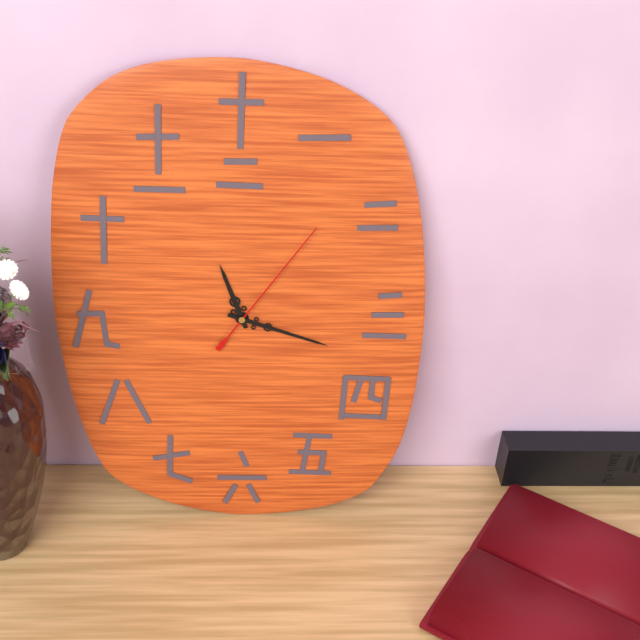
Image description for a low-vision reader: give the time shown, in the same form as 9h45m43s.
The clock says 11h18m06s
